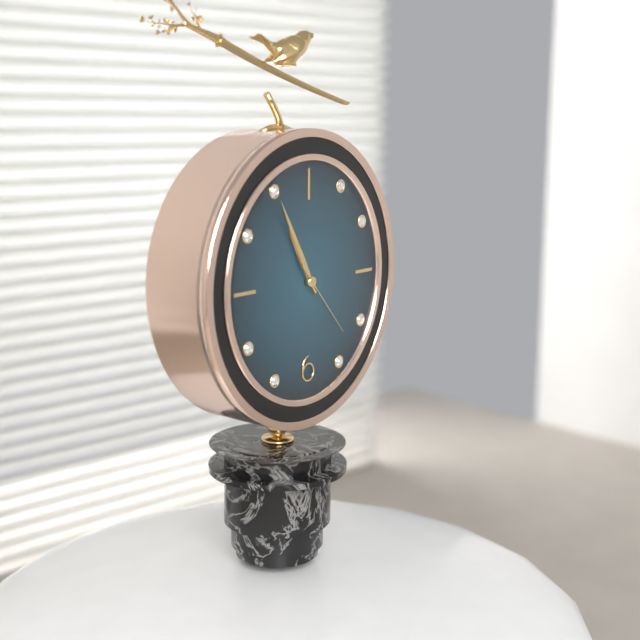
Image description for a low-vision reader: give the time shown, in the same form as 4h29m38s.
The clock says 10h55m23s
